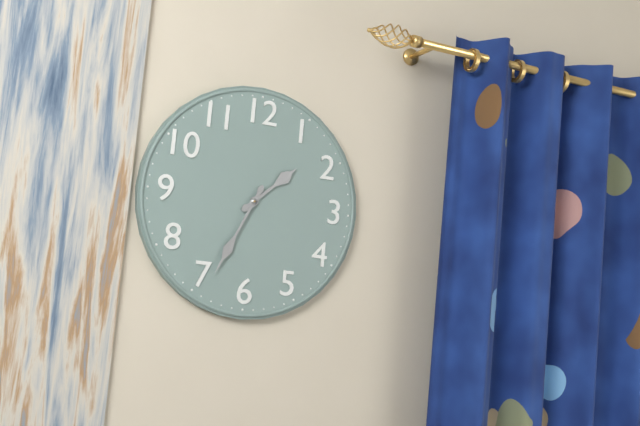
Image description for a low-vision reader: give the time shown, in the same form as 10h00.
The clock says 1h34
